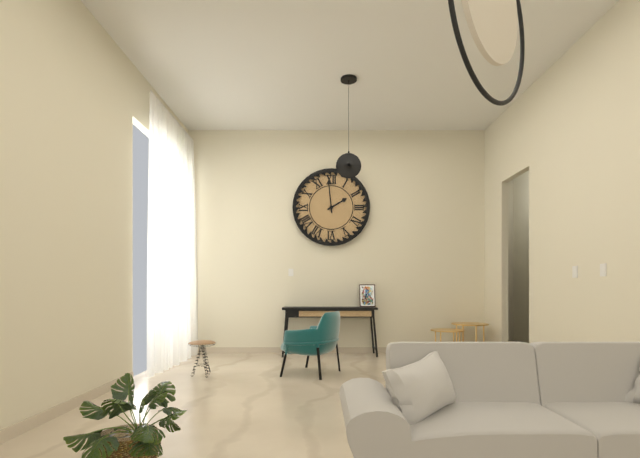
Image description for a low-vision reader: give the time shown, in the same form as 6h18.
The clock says 1h59
